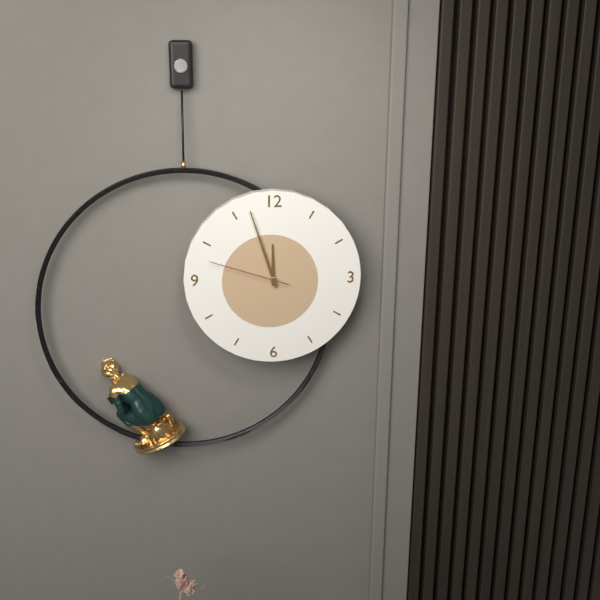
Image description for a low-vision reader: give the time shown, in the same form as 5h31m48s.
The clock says 11h57m48s
